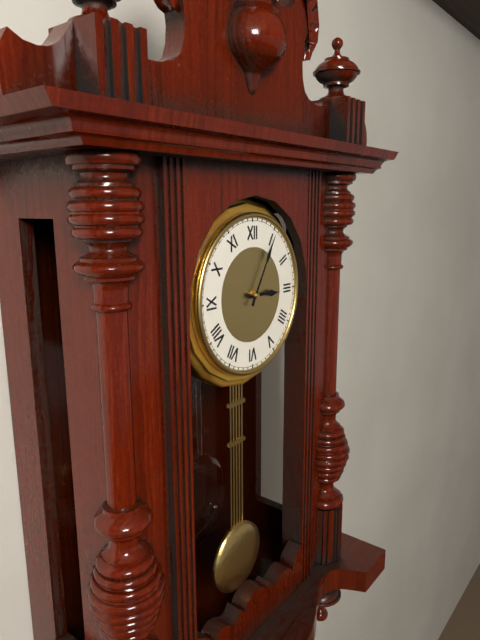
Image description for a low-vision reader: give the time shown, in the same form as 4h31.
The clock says 3h05
